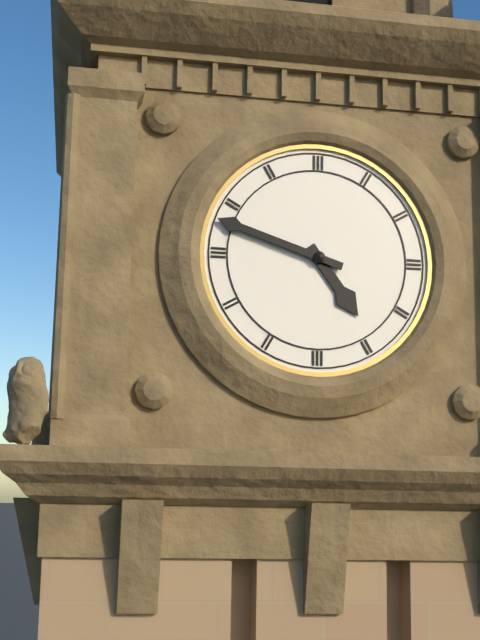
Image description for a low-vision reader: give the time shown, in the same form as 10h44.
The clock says 4h48
